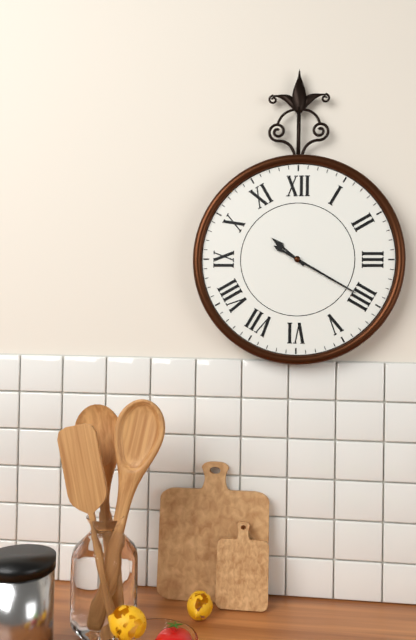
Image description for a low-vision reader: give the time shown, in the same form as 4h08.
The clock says 10h20
